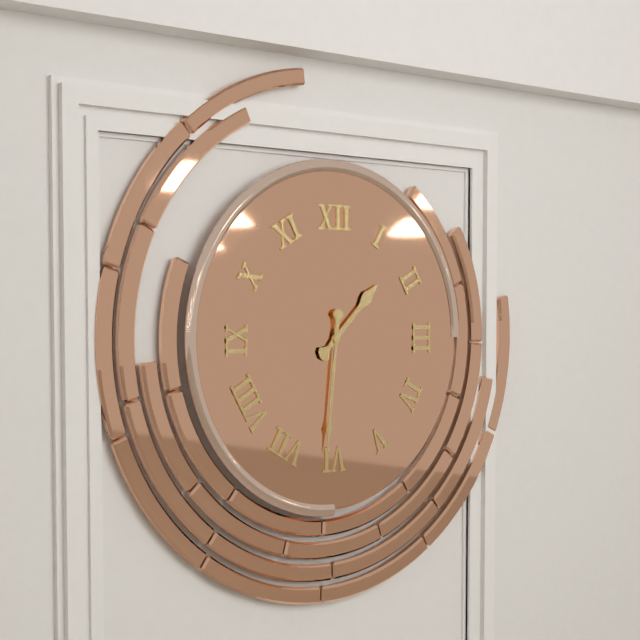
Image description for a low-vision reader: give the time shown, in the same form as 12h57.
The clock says 1h31
